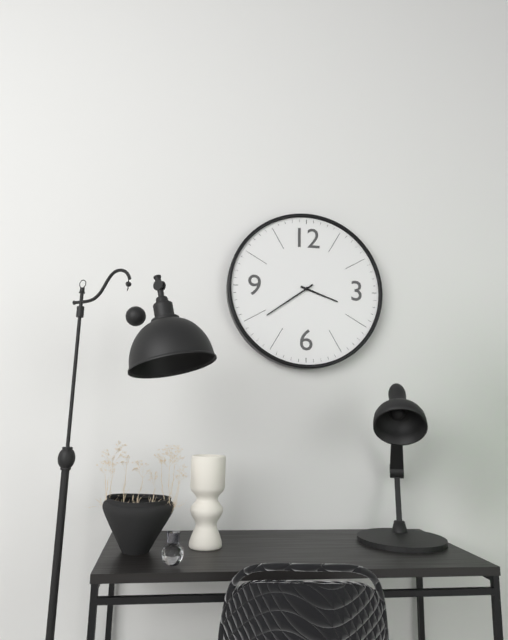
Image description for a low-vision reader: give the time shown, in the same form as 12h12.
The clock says 3h39
